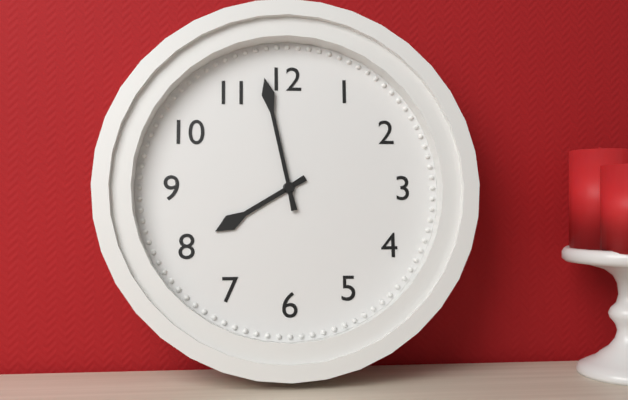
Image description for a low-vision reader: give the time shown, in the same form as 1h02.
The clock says 7h58
